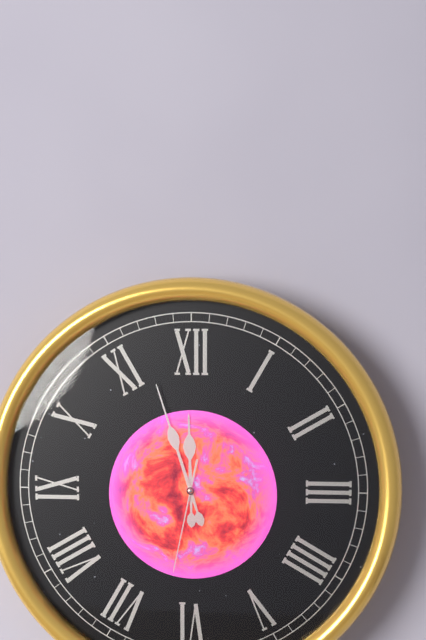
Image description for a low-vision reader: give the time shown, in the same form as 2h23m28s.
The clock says 11h57m32s
